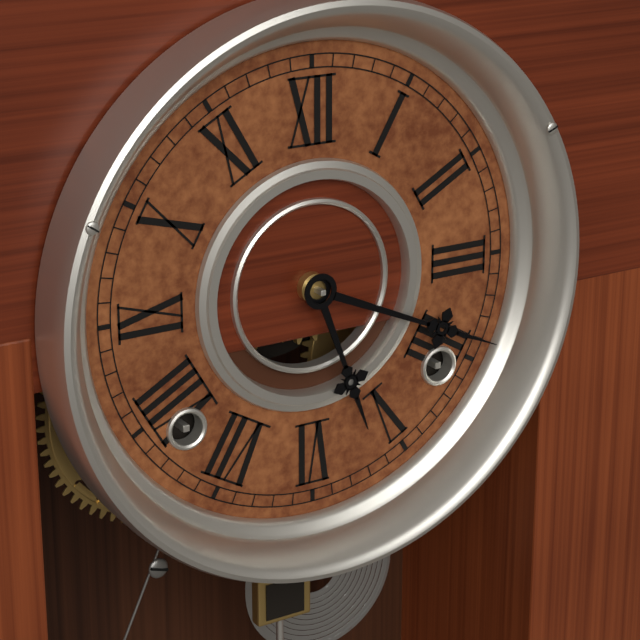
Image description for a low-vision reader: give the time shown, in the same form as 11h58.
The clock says 5h19
